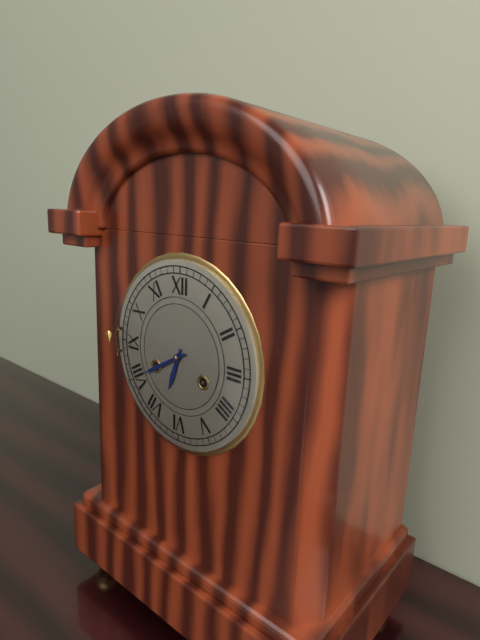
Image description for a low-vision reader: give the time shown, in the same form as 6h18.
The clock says 6h40
